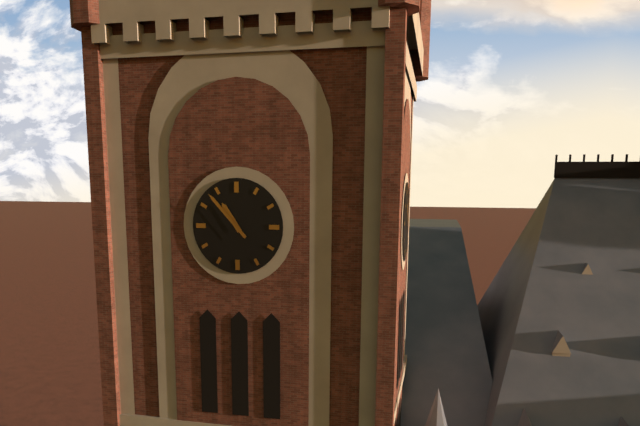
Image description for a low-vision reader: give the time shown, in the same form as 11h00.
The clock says 10h53
